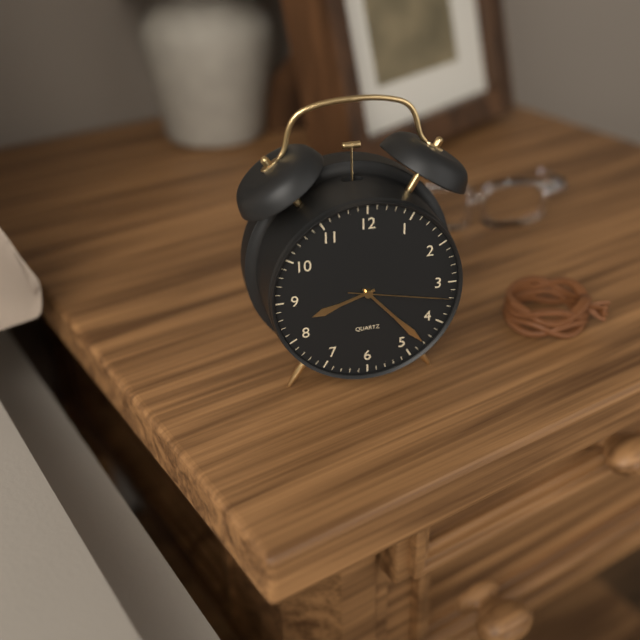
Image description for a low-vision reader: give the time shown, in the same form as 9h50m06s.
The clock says 8h23m17s
